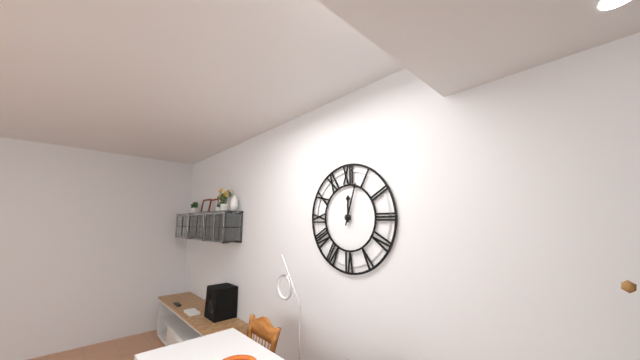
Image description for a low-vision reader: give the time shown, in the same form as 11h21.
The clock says 12h03
